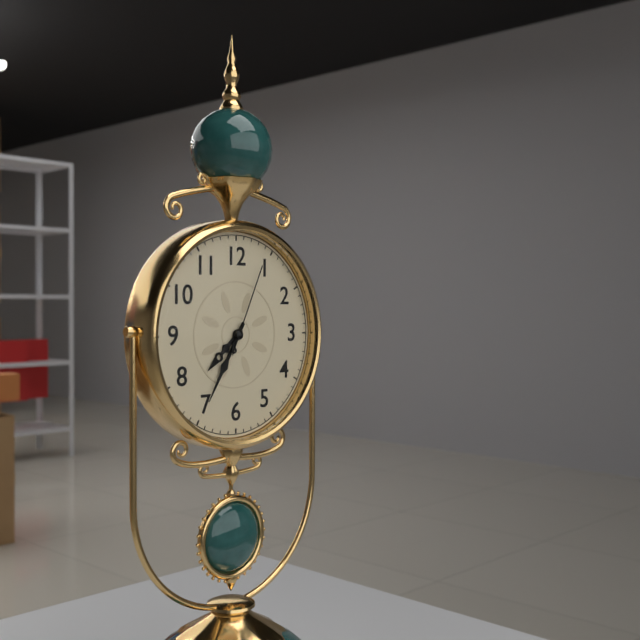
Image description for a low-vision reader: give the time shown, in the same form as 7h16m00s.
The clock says 7h35m04s
